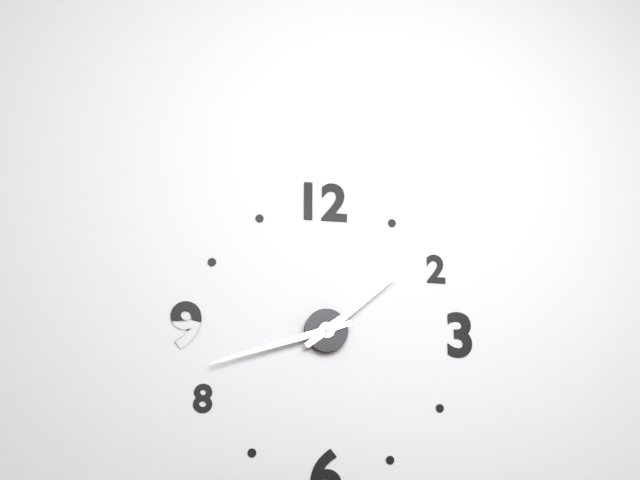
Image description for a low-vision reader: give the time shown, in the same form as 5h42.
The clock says 1h42
